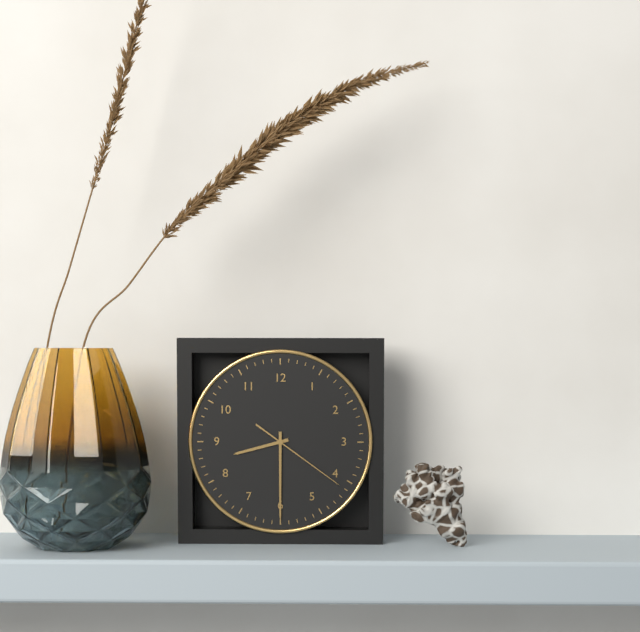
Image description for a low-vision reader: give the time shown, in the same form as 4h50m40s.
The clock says 8h30m21s
